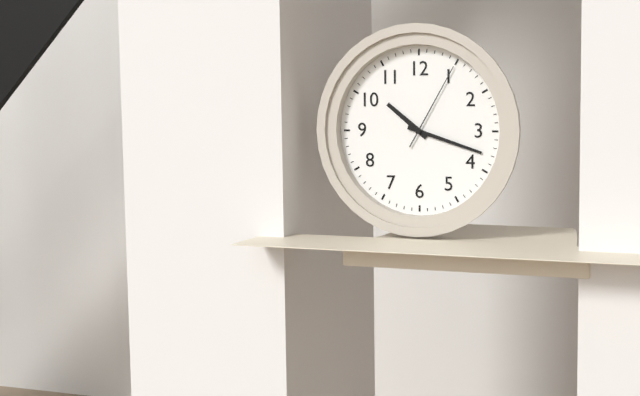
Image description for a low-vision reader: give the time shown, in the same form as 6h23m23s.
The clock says 10h18m05s
